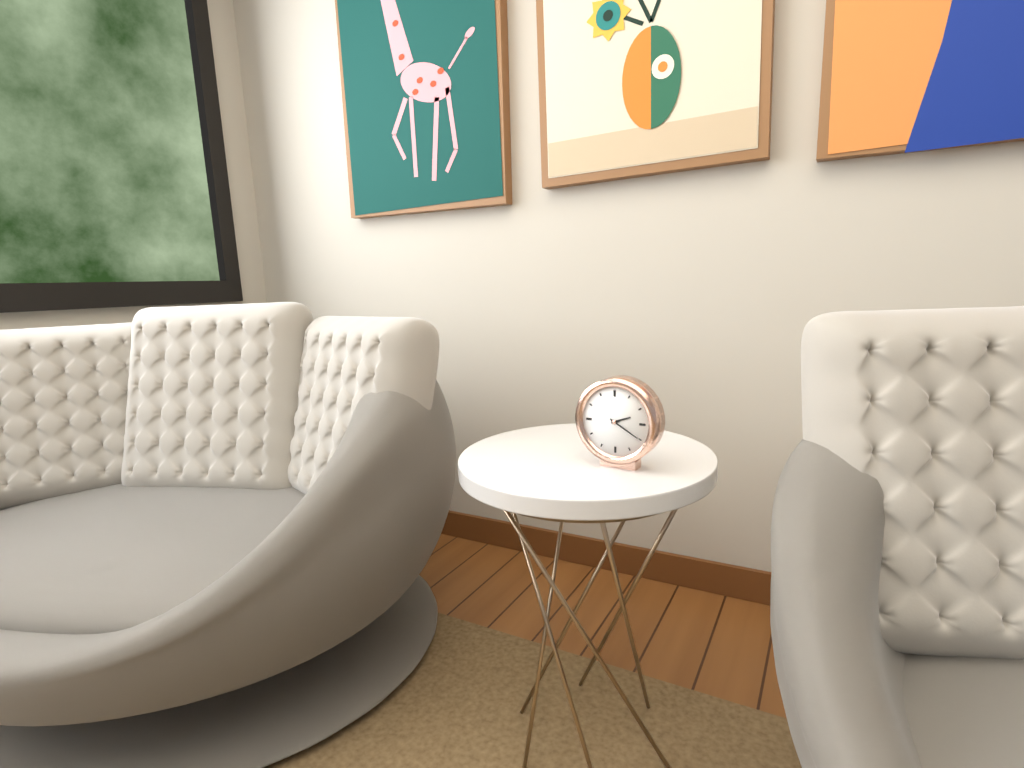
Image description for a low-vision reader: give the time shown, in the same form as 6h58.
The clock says 2h20
